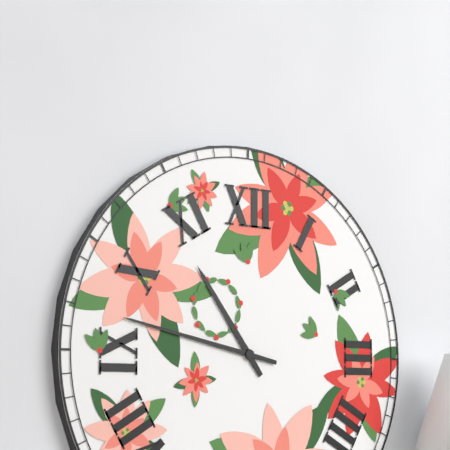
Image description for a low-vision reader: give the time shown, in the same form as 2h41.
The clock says 10h47
